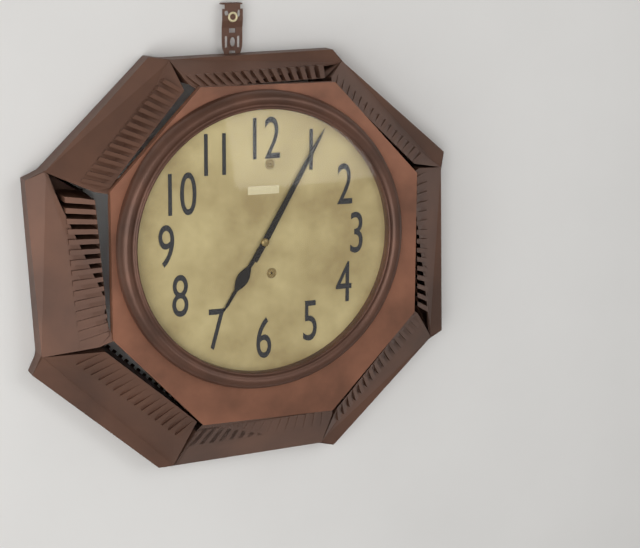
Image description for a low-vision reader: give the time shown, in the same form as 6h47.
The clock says 7h05
